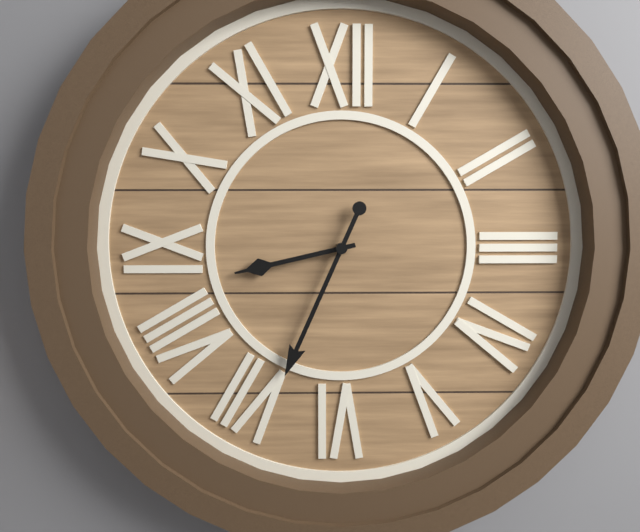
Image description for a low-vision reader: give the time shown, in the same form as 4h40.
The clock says 8h34
